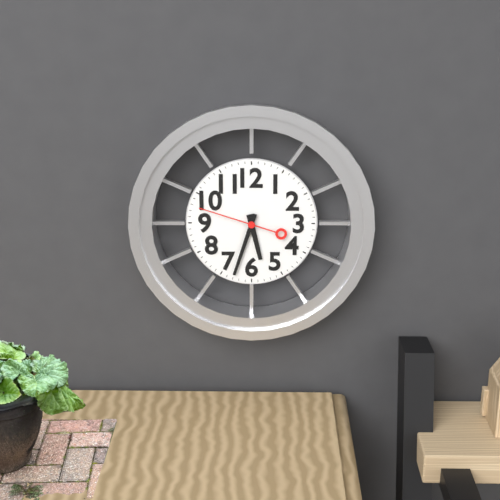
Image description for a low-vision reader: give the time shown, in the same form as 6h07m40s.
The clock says 5h33m48s
